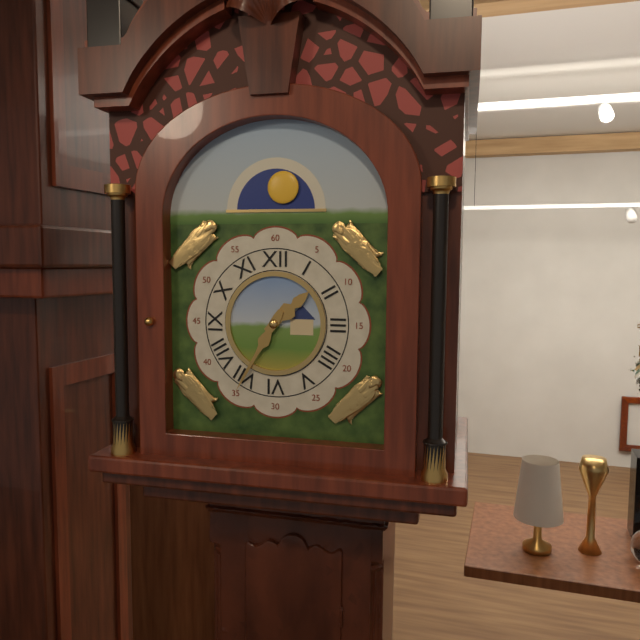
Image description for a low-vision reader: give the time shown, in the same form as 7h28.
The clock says 1h35
